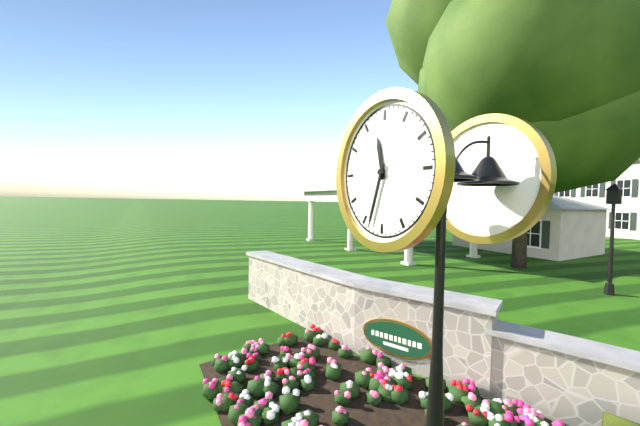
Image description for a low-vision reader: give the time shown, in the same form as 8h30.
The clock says 11h33
